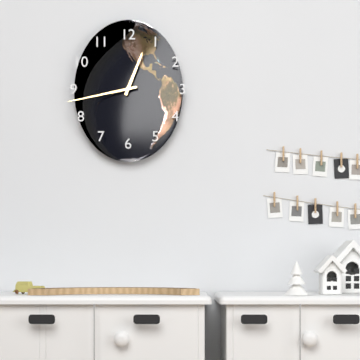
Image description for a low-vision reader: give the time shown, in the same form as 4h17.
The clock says 12h43
